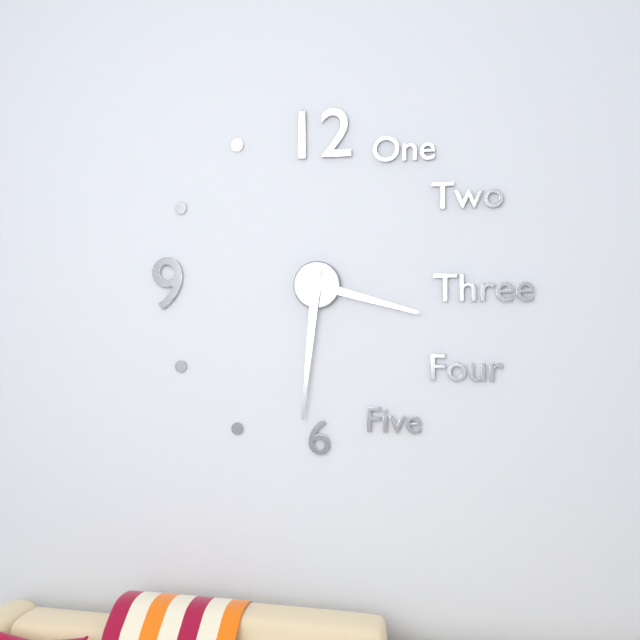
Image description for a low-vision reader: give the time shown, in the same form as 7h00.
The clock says 3h31
